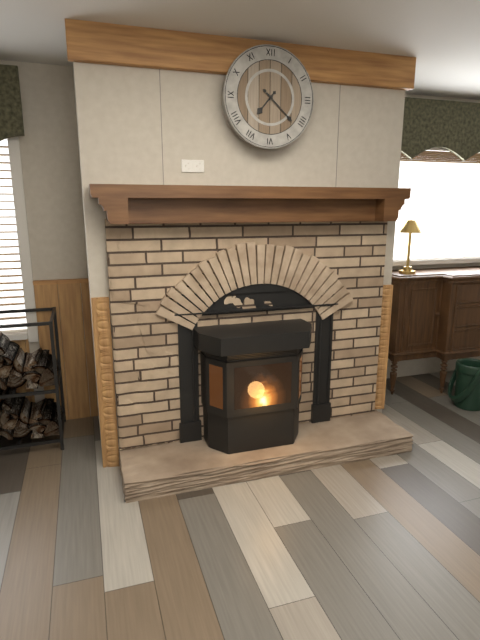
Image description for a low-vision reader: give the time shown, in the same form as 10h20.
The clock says 7h22
